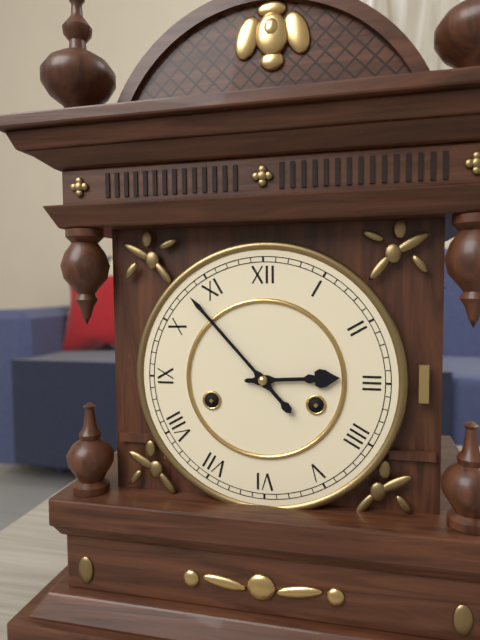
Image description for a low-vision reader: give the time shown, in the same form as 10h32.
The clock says 2h53
